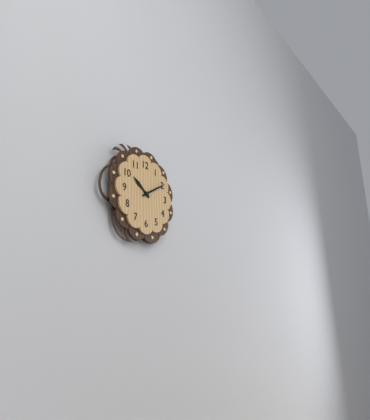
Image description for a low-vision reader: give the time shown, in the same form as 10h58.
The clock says 10h10
